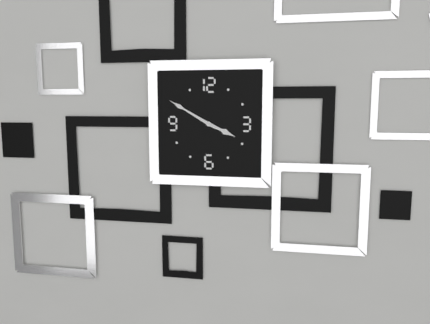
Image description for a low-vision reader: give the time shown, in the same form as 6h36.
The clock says 3h50
